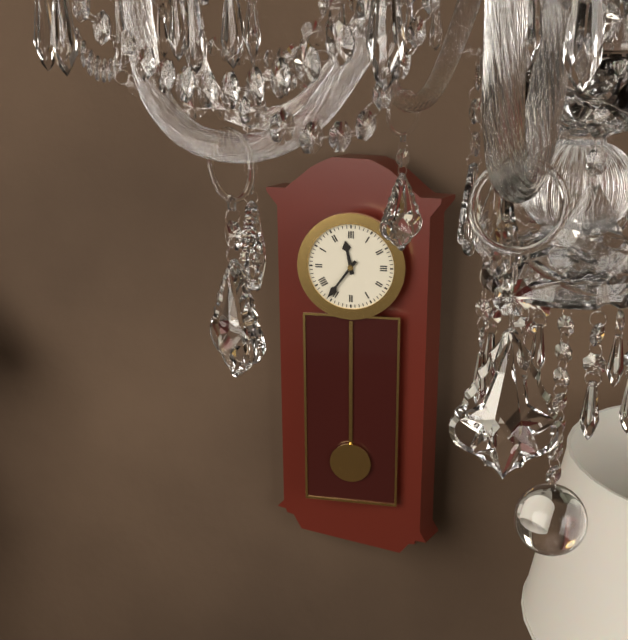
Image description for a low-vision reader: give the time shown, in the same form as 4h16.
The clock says 11h36
